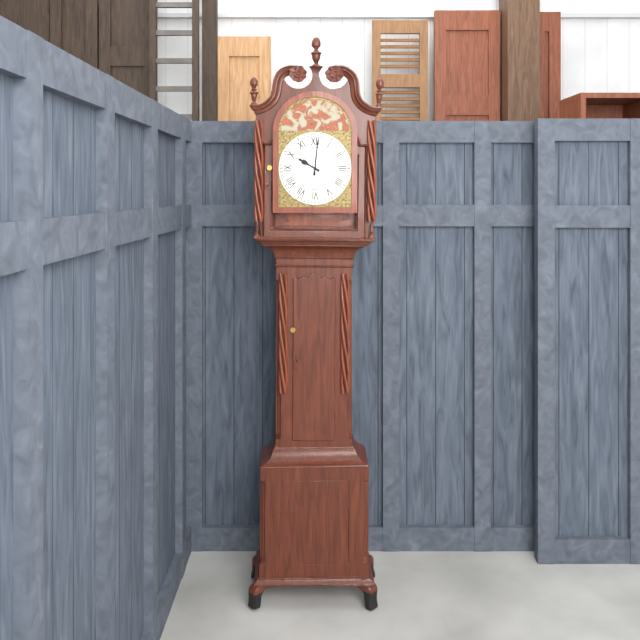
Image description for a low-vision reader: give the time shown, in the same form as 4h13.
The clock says 10h01
